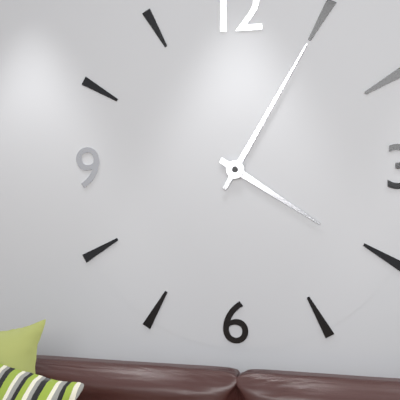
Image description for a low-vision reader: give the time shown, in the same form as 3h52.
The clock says 4h05
